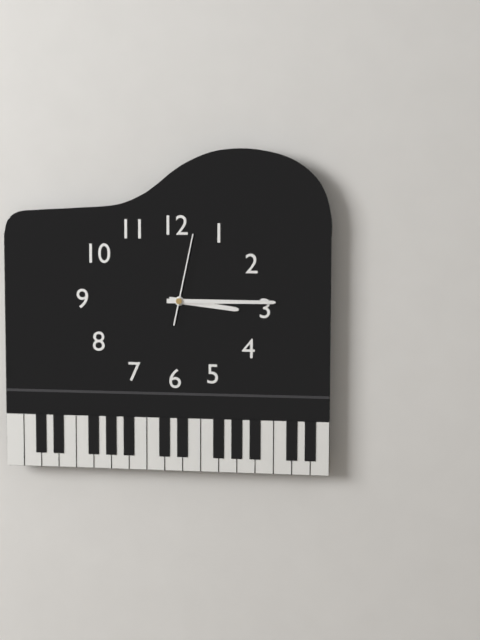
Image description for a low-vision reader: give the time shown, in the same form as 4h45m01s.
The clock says 3h15m02s
